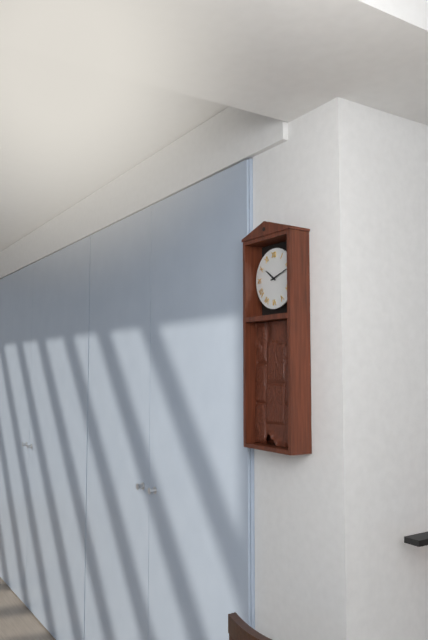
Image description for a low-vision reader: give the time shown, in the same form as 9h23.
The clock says 10h12
